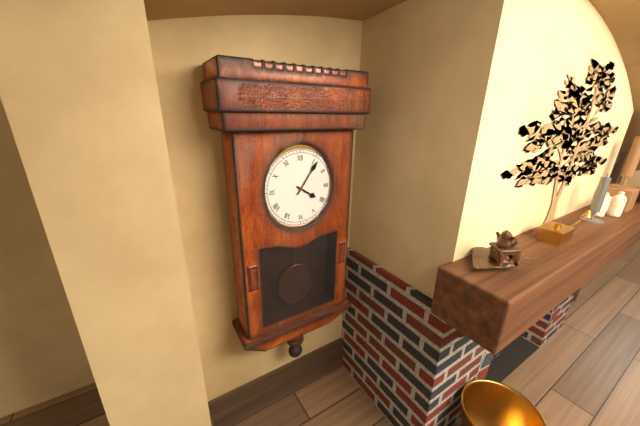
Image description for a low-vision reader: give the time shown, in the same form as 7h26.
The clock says 4h06
